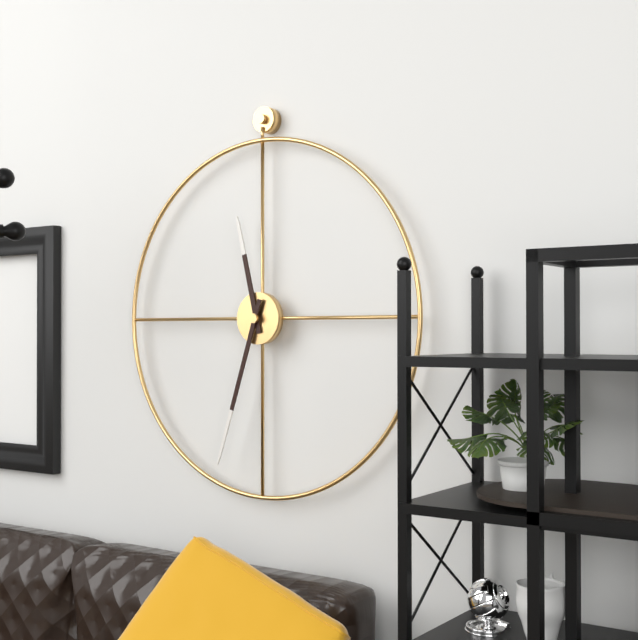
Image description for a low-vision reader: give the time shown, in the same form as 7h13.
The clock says 11h33
